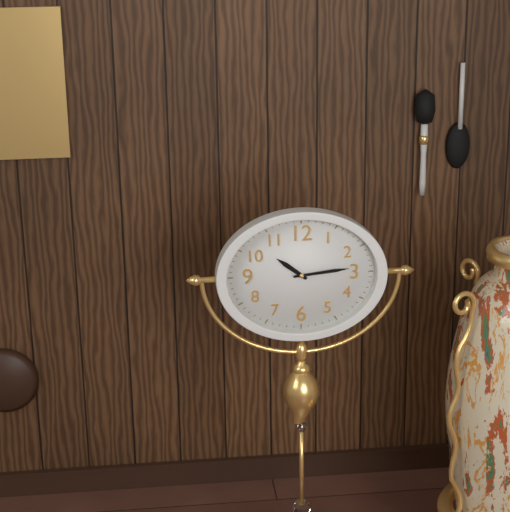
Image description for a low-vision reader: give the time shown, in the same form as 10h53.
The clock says 10h14
